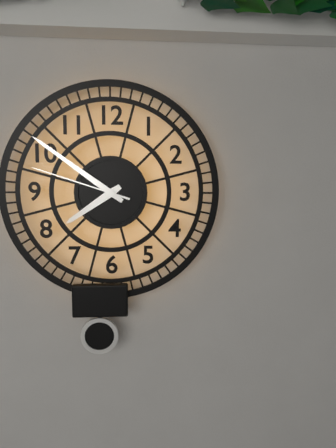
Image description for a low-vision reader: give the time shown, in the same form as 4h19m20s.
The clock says 7h51m48s
